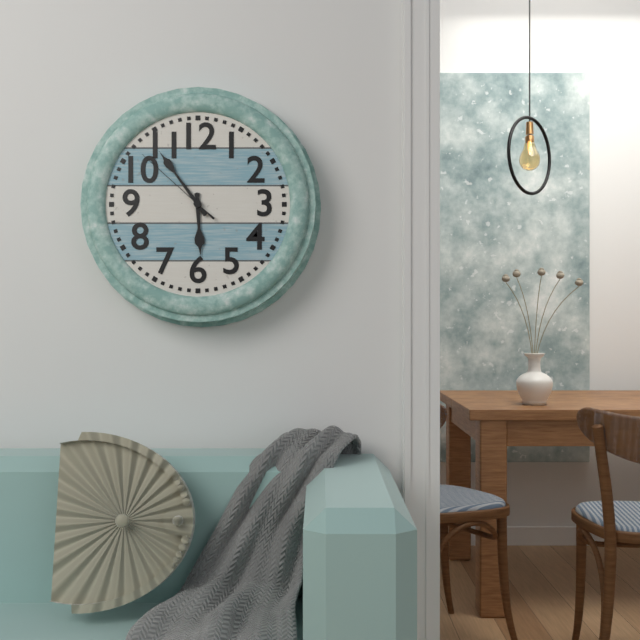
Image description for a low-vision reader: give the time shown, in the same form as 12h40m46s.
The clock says 5h54m52s
